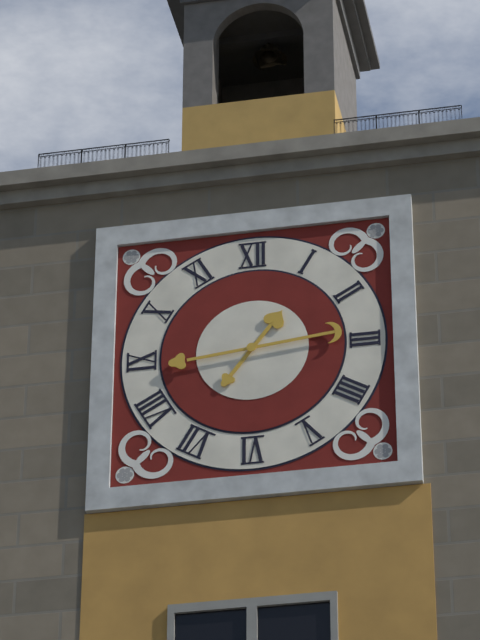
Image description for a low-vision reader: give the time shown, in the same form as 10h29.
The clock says 1h14
